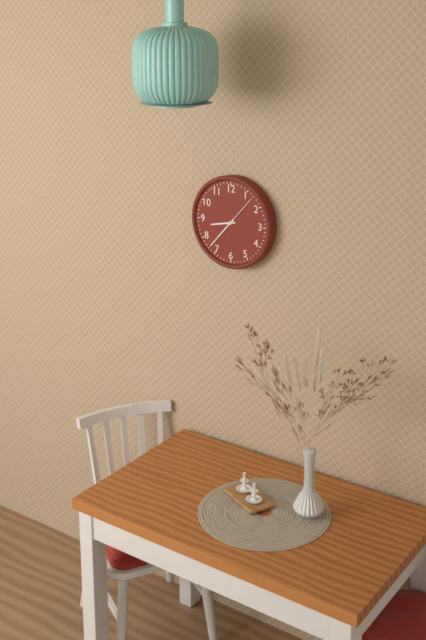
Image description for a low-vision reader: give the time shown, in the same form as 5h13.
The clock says 8h37
